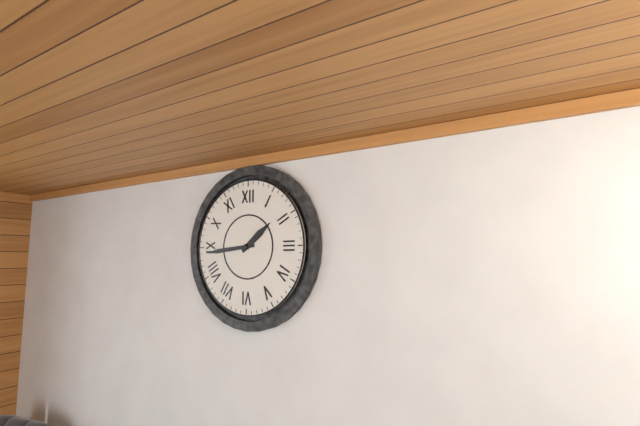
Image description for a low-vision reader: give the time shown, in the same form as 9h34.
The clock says 1h44
